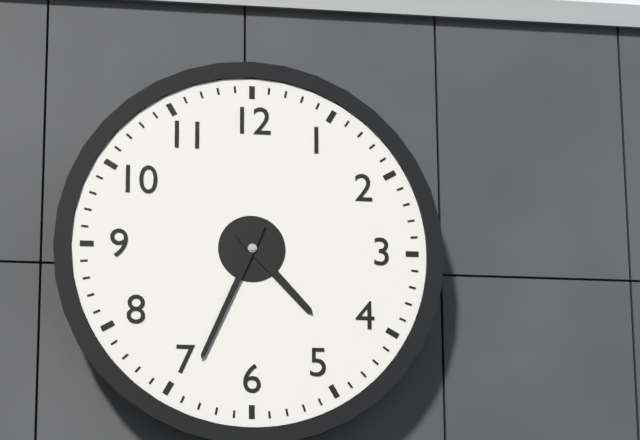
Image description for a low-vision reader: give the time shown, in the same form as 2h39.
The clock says 4h34
